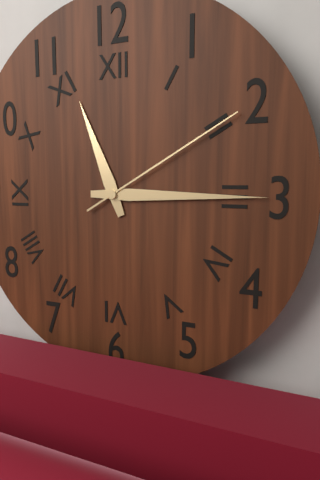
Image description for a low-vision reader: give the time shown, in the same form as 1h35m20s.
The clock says 11h15m10s
